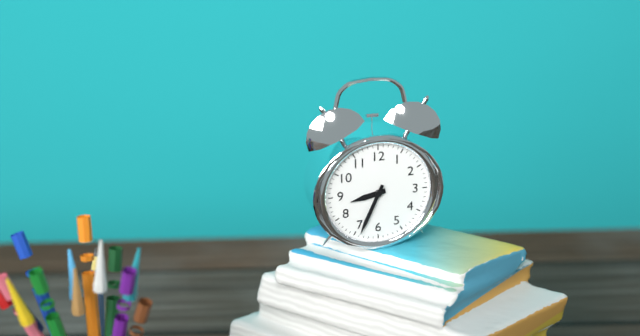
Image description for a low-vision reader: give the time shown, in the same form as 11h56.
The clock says 8h34
